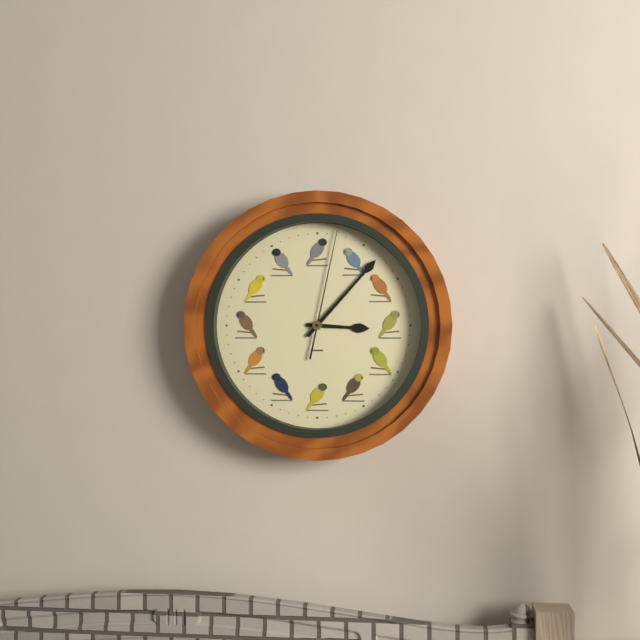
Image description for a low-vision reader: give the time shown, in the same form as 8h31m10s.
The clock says 3h07m02s
